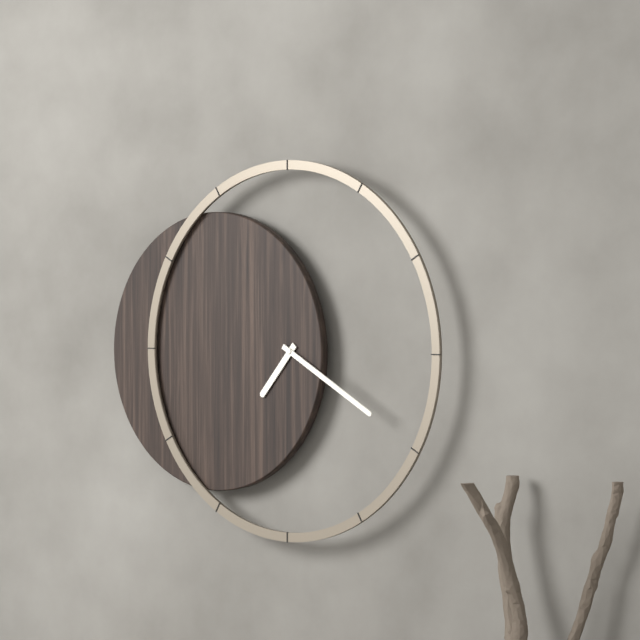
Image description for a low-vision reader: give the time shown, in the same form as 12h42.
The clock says 7h20
